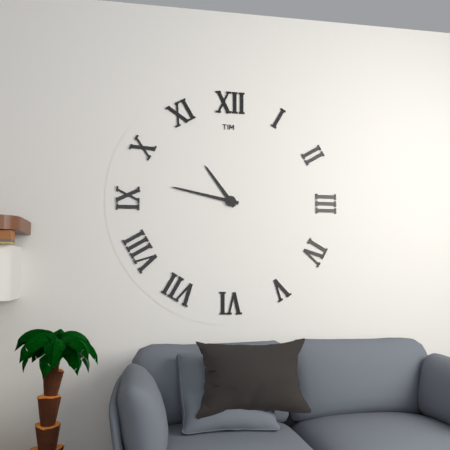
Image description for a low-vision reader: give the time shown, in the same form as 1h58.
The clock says 10h47
